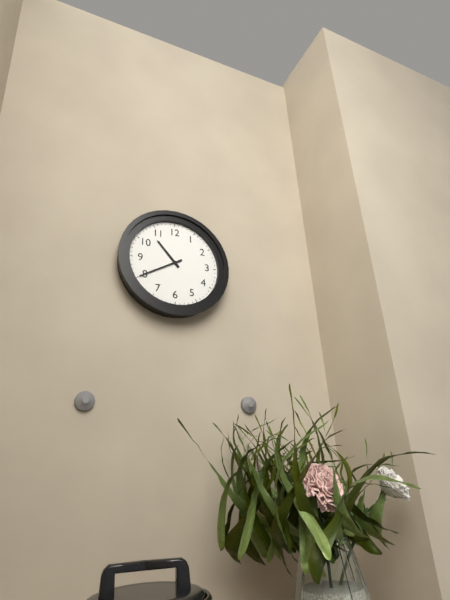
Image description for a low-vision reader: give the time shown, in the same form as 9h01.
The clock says 10h40
